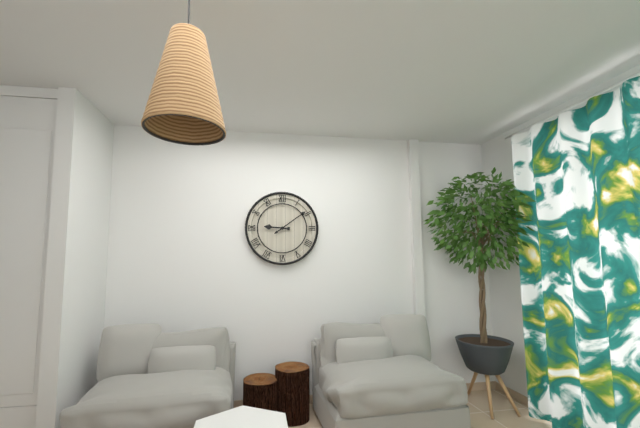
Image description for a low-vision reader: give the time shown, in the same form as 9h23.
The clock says 9h09
